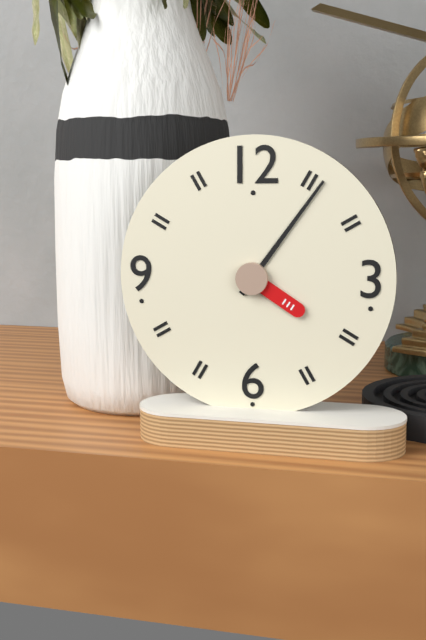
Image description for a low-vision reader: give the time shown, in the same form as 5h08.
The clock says 4h06
